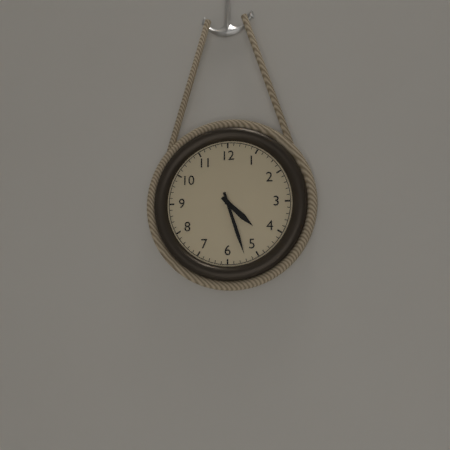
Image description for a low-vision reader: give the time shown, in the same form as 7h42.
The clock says 4h27
